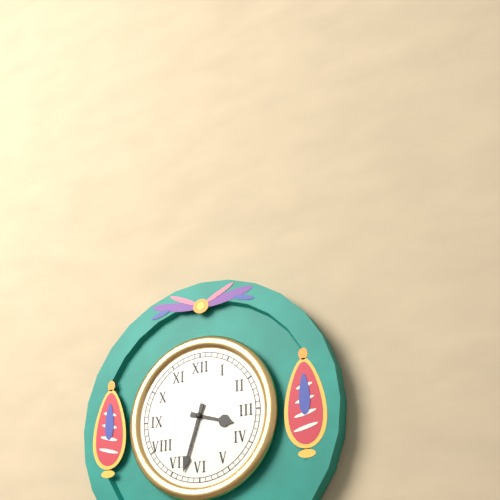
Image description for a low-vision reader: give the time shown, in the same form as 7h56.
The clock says 3h33
